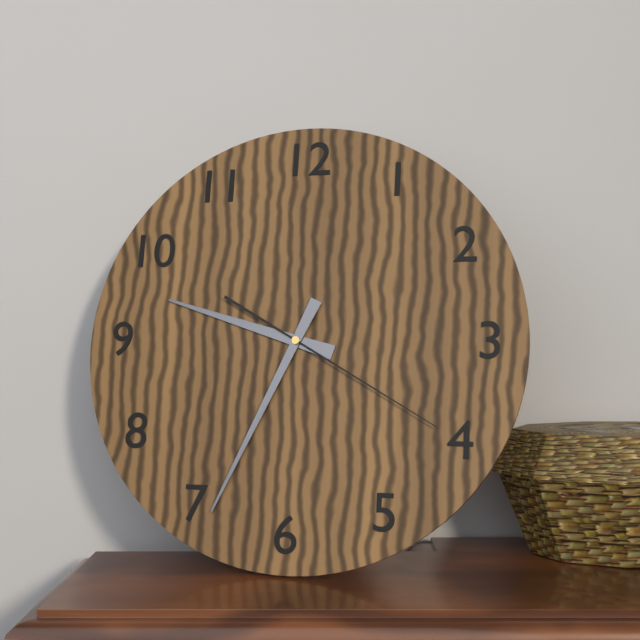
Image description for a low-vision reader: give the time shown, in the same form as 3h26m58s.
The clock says 9h34m20s
